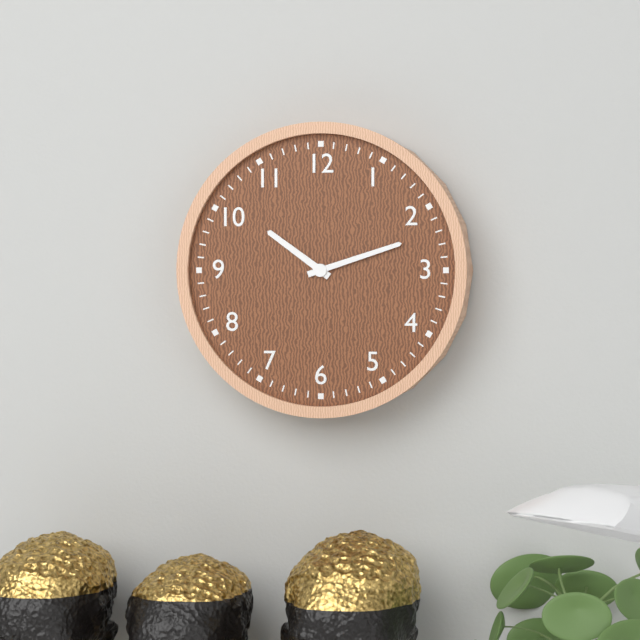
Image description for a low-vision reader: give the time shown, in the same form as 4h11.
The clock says 10h12
